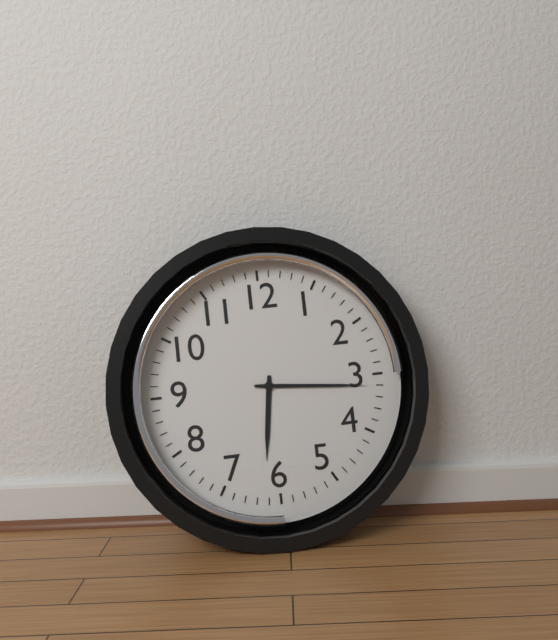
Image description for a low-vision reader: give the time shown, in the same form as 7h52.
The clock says 6h16
